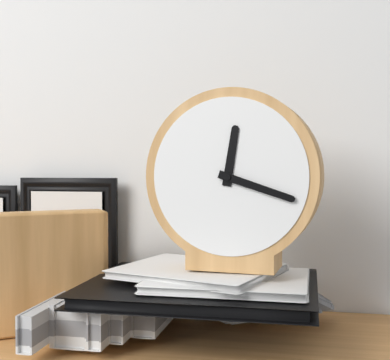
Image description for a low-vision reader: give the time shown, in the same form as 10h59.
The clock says 12h18
